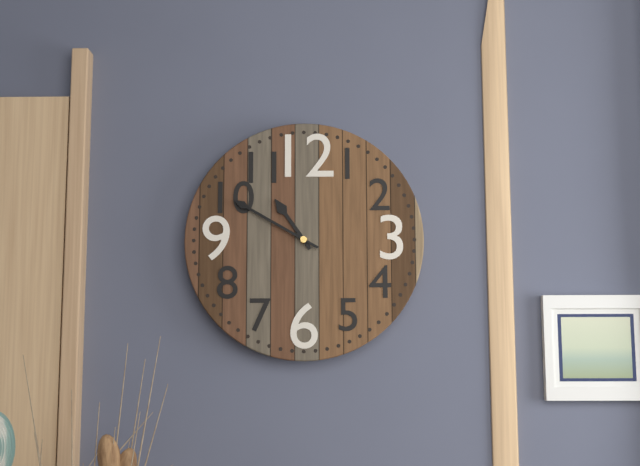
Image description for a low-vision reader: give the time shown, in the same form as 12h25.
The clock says 10h50
